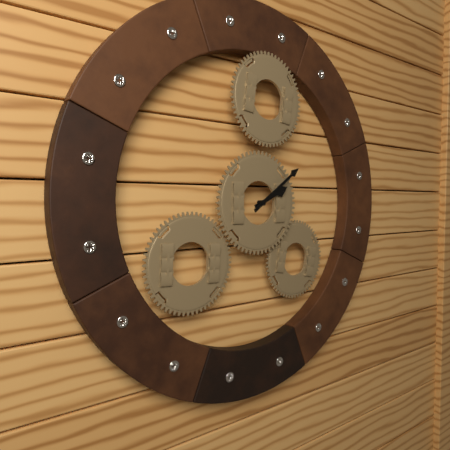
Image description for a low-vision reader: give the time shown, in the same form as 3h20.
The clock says 2h09
